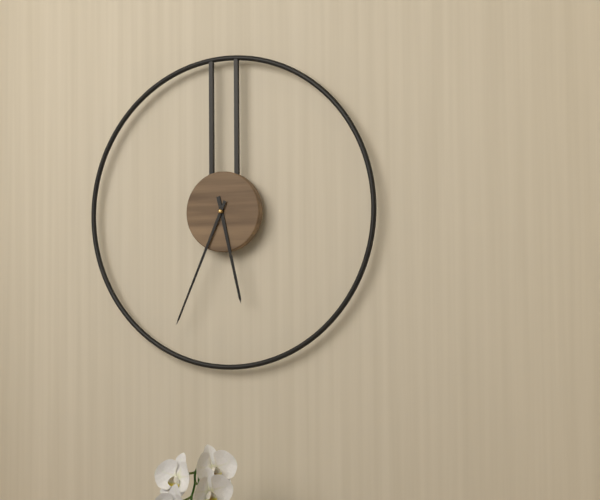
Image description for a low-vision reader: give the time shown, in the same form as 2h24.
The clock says 5h34
